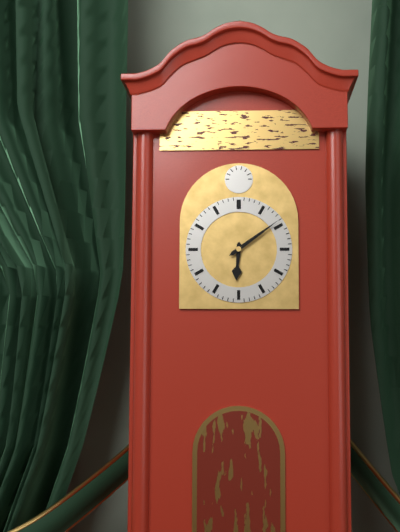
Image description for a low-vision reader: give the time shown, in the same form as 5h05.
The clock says 6h09
